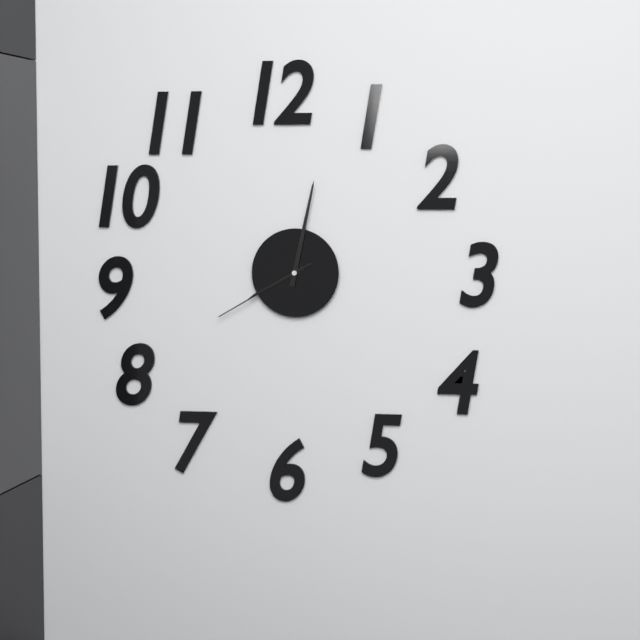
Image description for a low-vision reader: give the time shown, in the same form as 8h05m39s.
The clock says 8h02m40s
